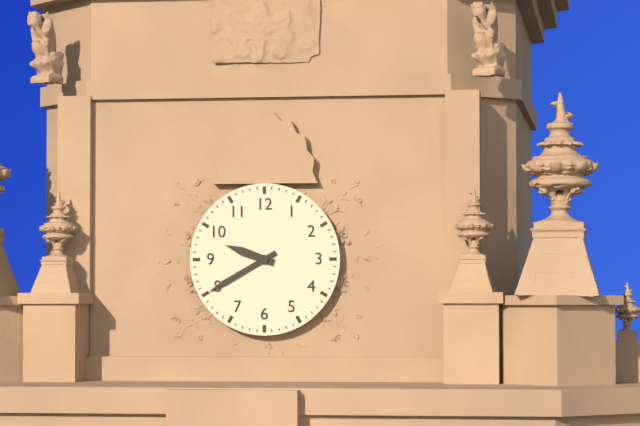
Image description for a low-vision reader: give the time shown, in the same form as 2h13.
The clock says 9h40
